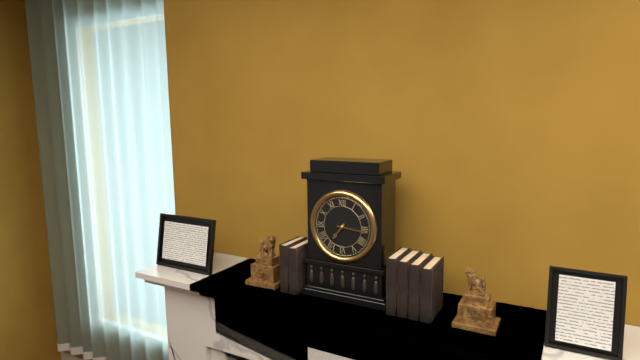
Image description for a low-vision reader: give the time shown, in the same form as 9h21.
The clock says 7h16
